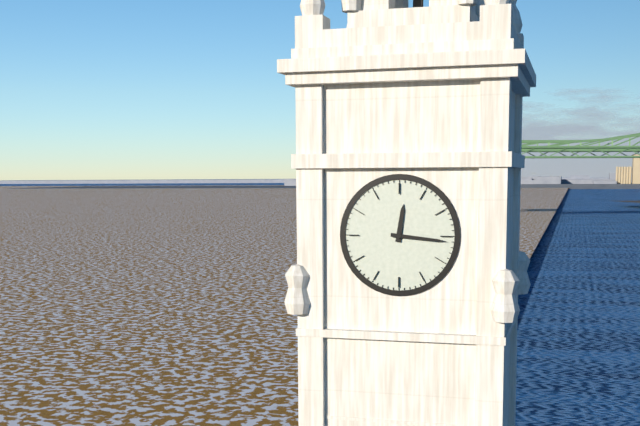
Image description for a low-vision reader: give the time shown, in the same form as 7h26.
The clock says 12h16
